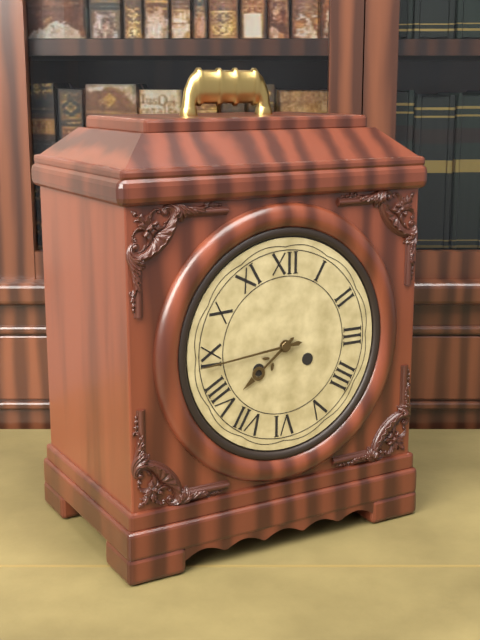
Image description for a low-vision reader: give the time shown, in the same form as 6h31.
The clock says 7h44
